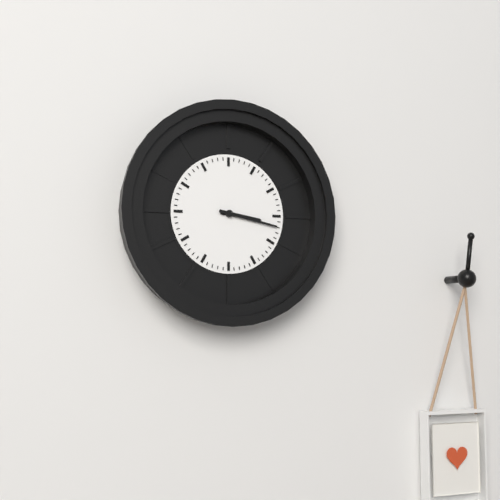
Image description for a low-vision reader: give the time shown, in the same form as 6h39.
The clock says 3h17
